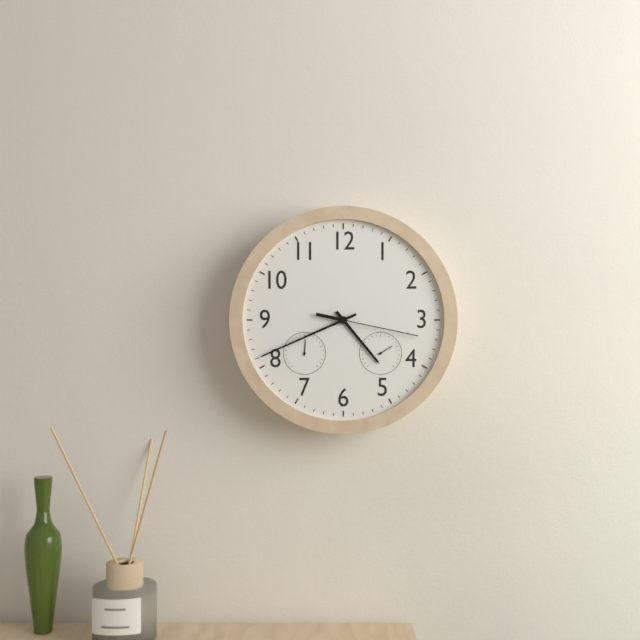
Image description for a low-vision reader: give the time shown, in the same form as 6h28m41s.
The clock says 4h41m17s
